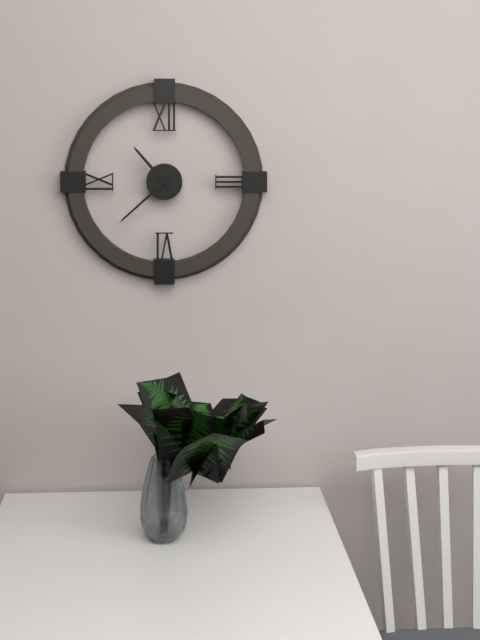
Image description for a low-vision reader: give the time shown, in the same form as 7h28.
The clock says 10h38
